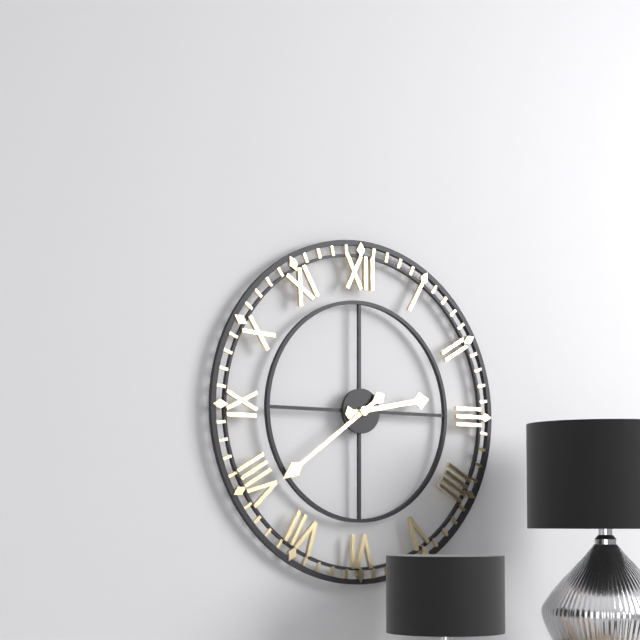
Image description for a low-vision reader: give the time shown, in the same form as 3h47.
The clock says 2h39
